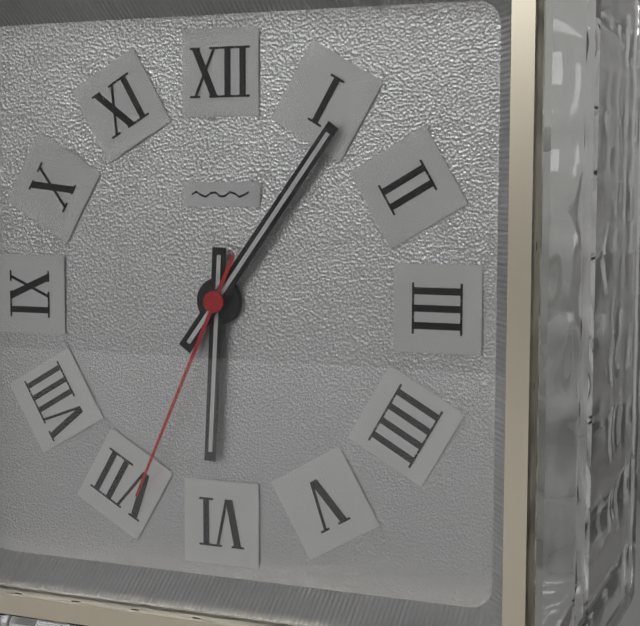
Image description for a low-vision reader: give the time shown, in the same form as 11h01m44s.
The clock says 6h06m34s
